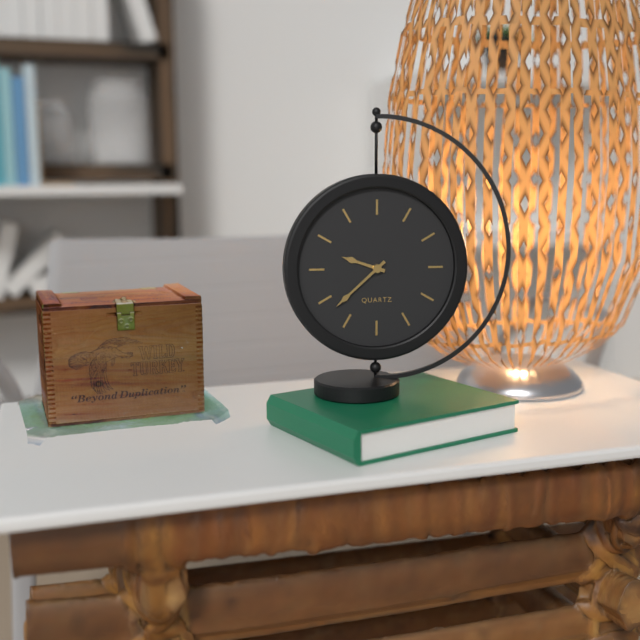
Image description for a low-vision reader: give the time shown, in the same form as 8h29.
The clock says 9h38
